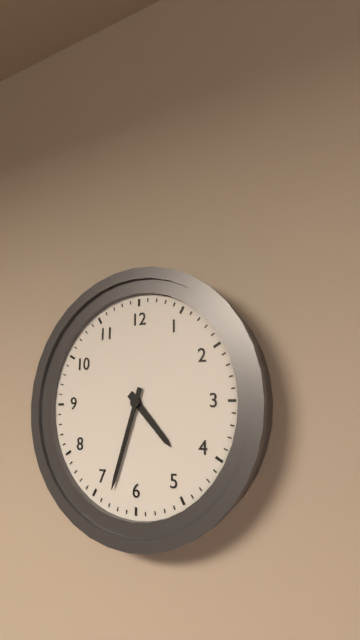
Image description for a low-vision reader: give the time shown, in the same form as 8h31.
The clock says 4h33
